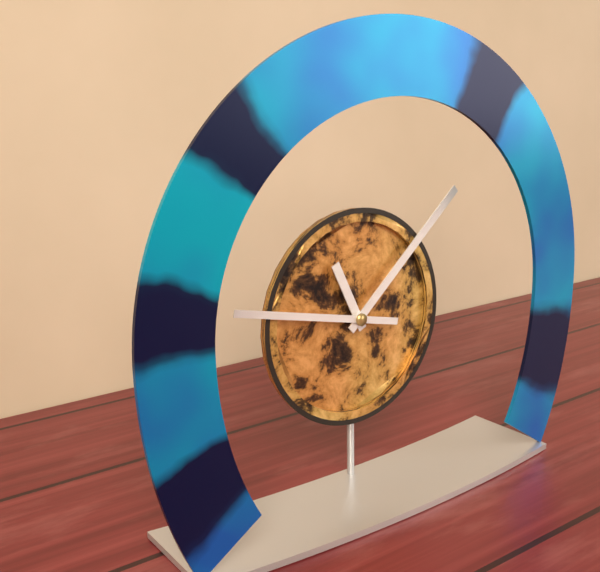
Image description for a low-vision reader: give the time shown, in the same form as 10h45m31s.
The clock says 11h08m47s
